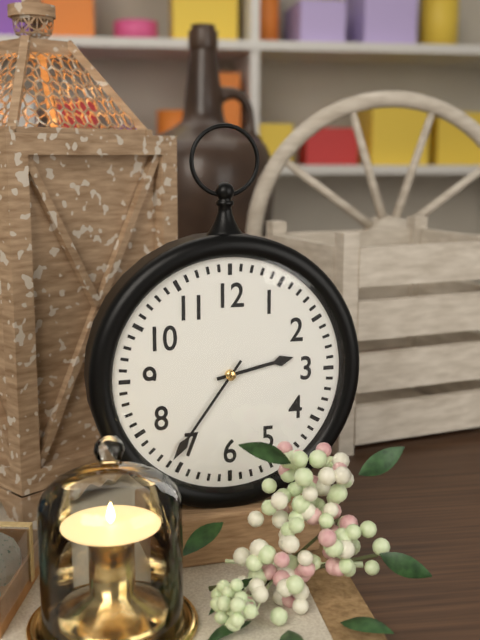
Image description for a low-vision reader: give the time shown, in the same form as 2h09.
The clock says 2h36
